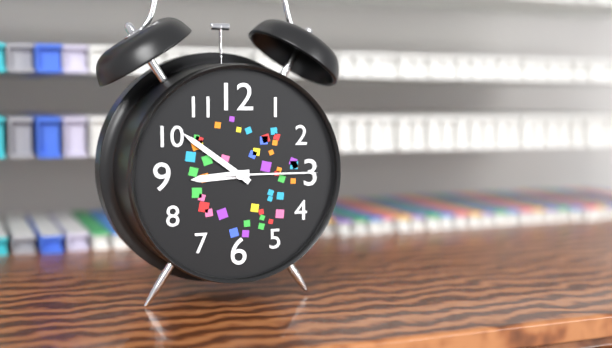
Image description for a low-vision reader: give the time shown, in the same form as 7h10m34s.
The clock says 8h51m15s
